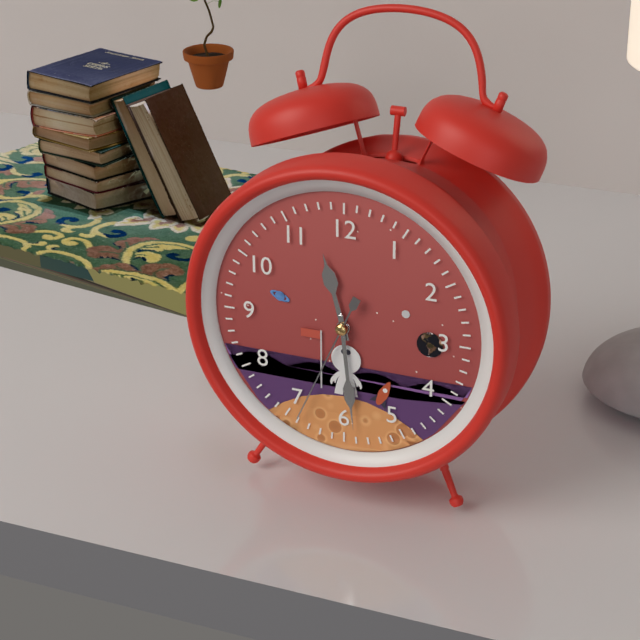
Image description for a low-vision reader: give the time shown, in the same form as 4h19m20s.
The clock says 11h29m34s
